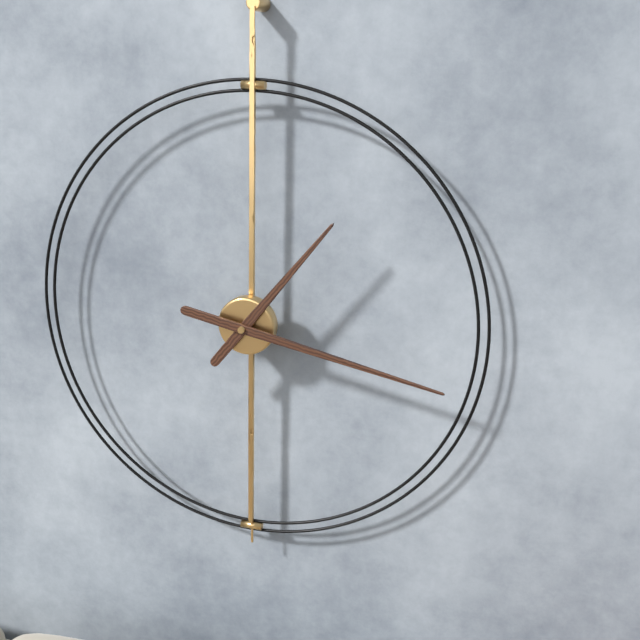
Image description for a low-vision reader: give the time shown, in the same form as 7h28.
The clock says 1h17
